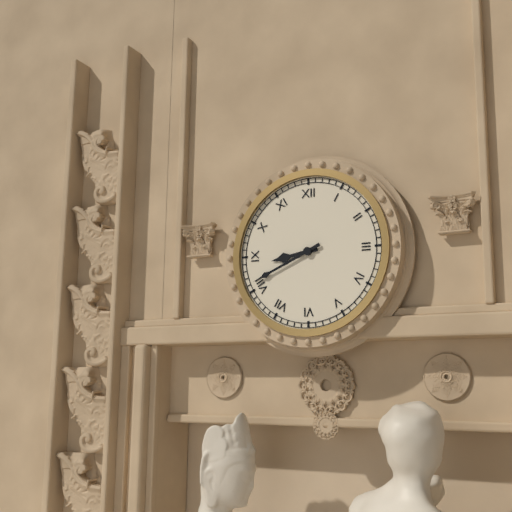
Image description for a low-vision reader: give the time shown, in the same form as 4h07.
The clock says 8h41
